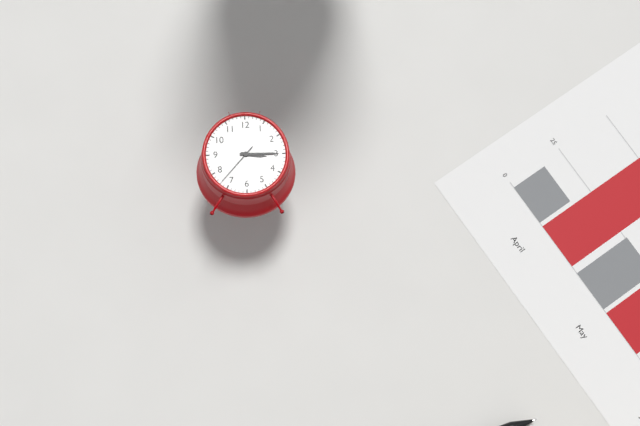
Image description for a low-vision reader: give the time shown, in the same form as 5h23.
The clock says 3h15
